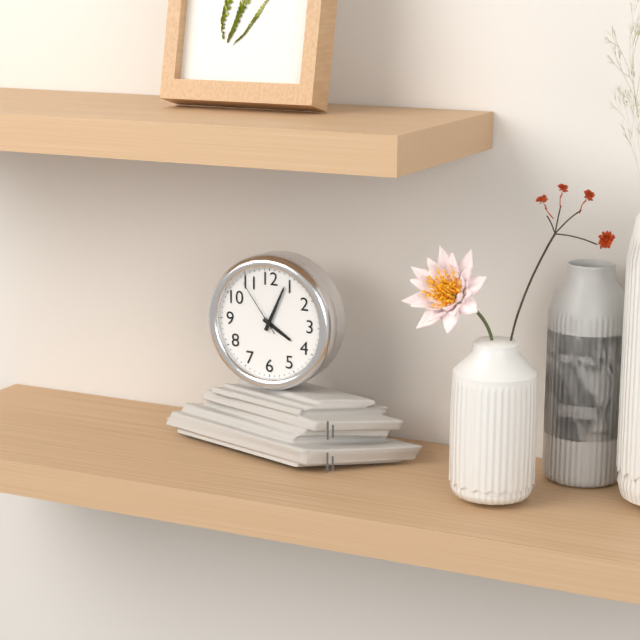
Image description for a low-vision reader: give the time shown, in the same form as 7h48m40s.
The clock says 4h04m54s
